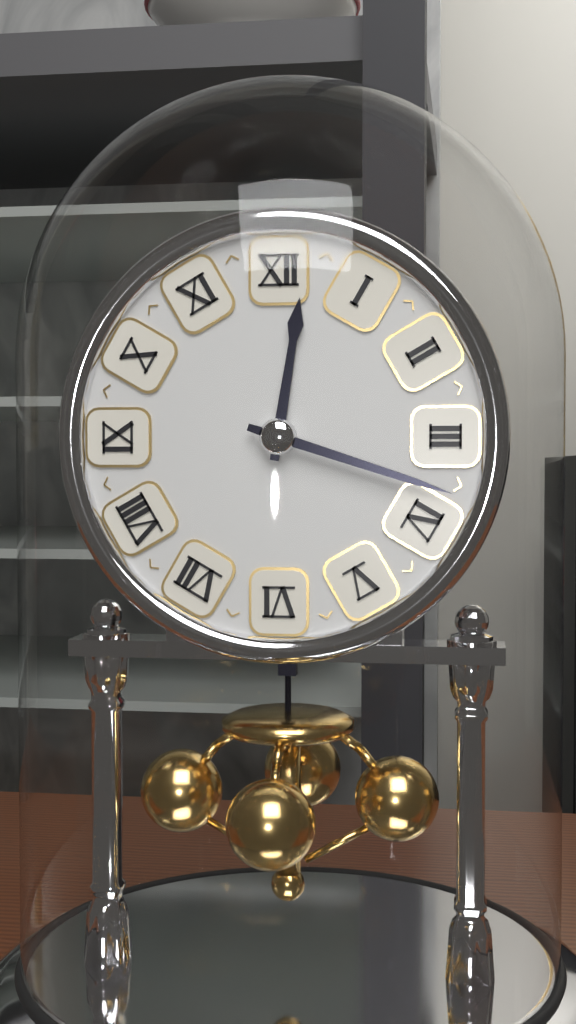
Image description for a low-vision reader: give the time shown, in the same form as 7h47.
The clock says 12h18
